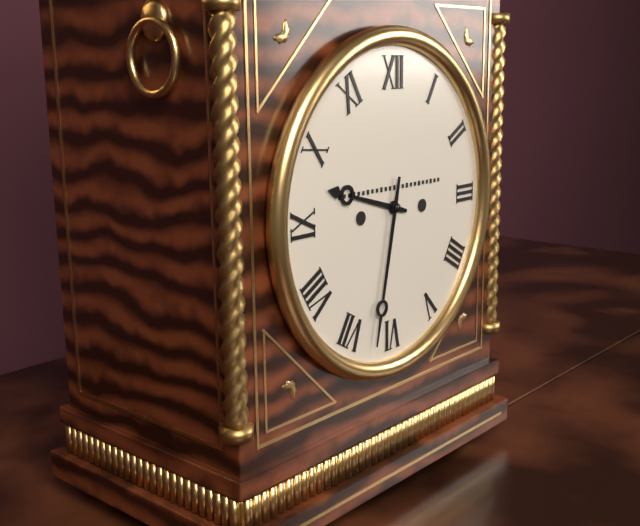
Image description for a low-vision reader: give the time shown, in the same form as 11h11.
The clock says 9h32
